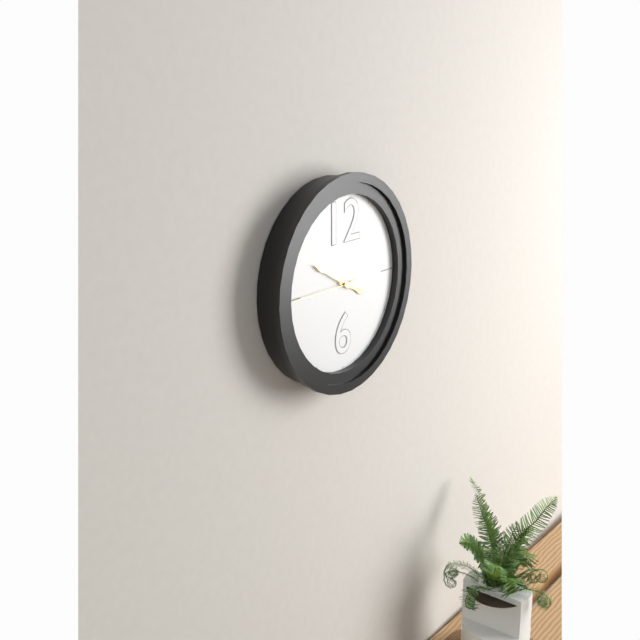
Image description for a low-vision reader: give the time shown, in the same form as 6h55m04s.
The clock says 3h50m45s
